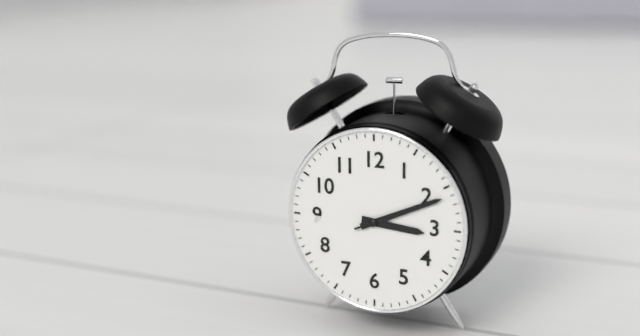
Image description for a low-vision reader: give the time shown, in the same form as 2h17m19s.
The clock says 3h11m11s
